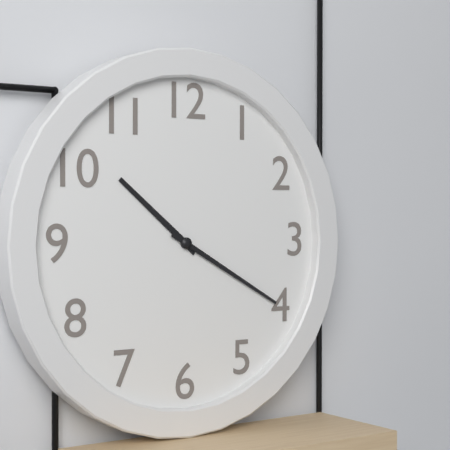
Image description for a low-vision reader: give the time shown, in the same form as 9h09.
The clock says 10h20
